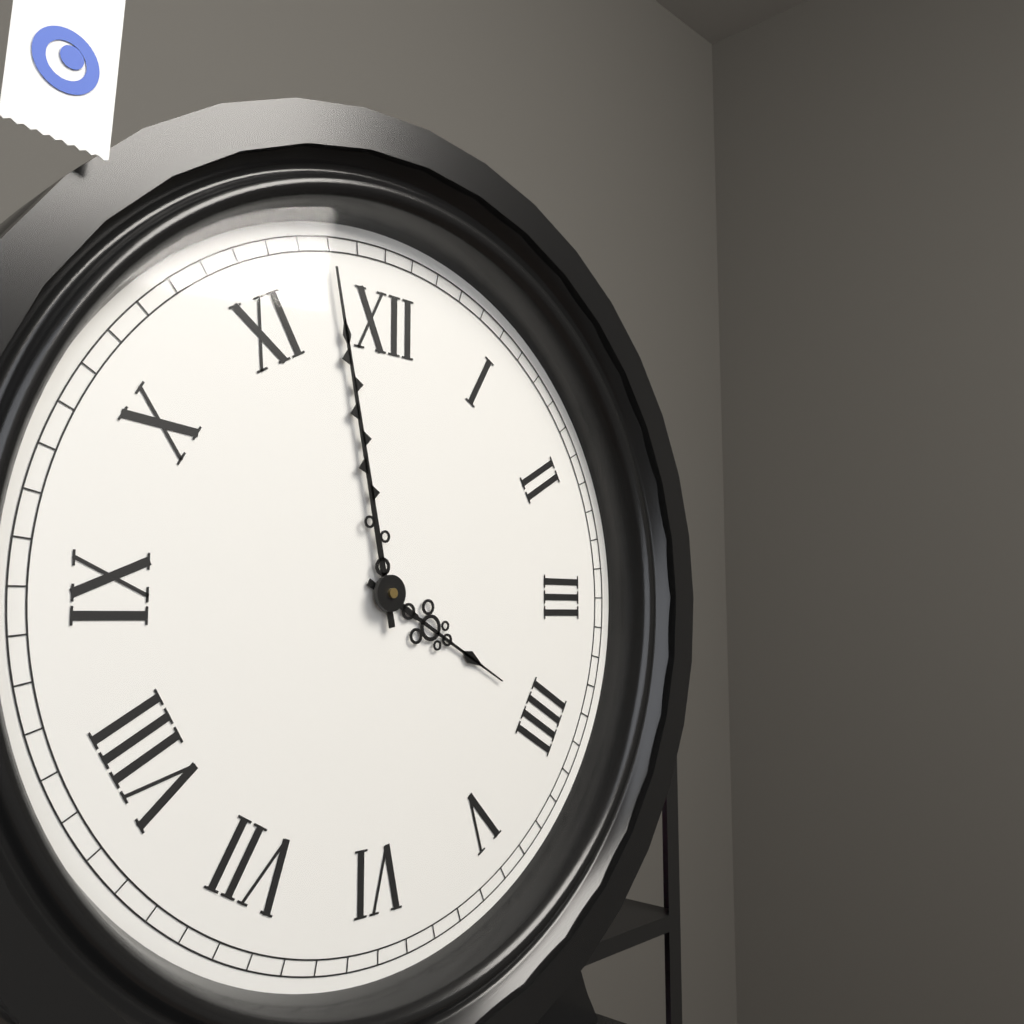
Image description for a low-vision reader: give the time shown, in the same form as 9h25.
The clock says 3h58
